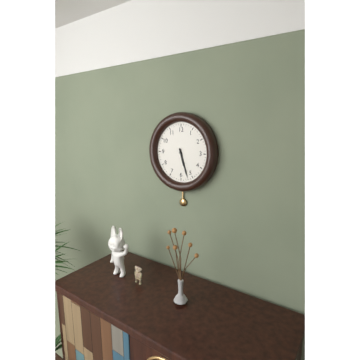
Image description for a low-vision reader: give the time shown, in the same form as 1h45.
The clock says 5h27
